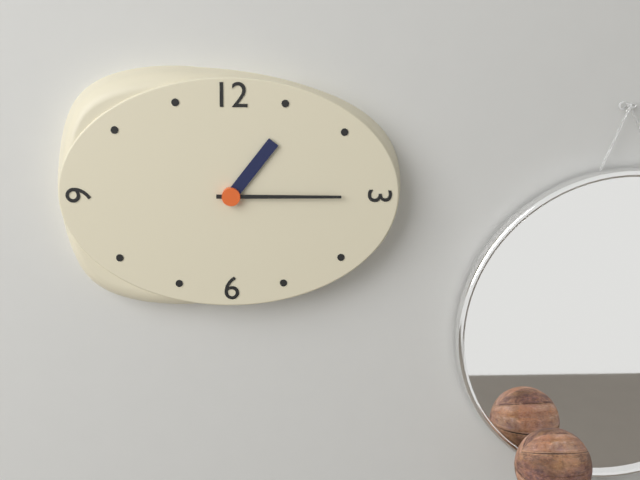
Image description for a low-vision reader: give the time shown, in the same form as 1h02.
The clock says 1h15
